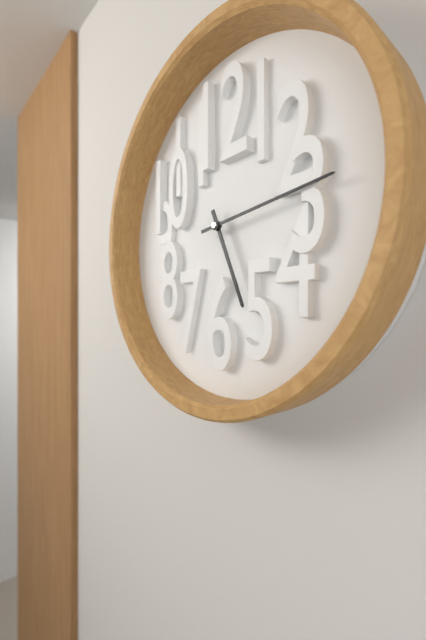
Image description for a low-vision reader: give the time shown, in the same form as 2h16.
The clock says 5h14
